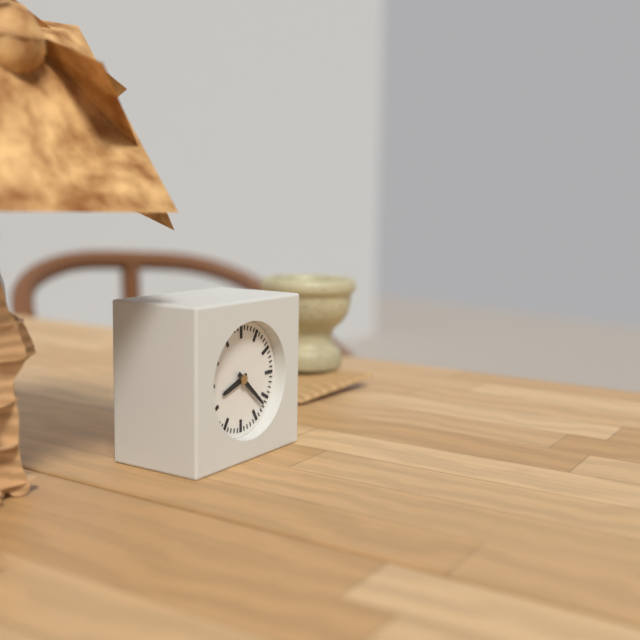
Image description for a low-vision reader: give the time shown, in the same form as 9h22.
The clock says 8h22
